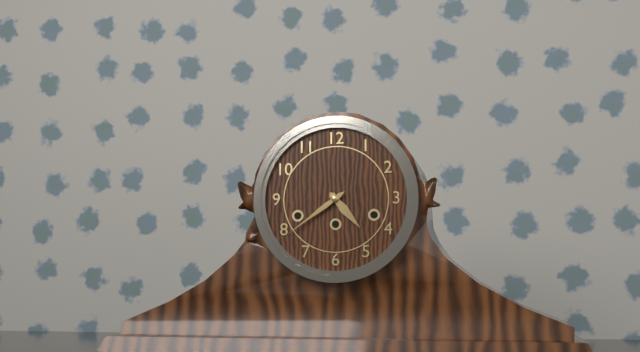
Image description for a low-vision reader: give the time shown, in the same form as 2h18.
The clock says 4h39
